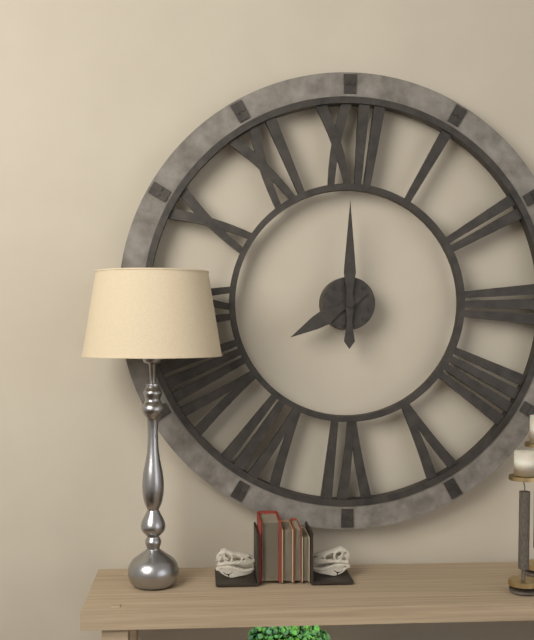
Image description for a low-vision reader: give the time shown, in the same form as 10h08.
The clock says 8h00
